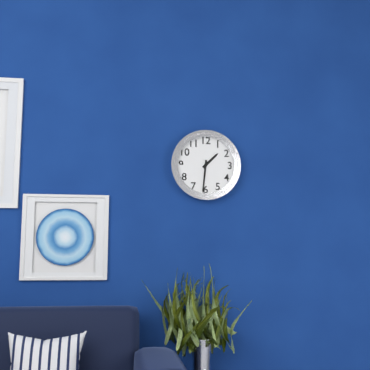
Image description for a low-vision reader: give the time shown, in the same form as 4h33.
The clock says 1h31
